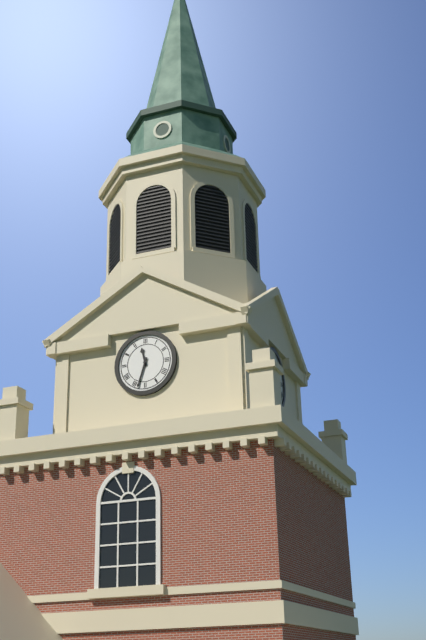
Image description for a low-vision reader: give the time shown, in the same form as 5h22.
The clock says 11h33
